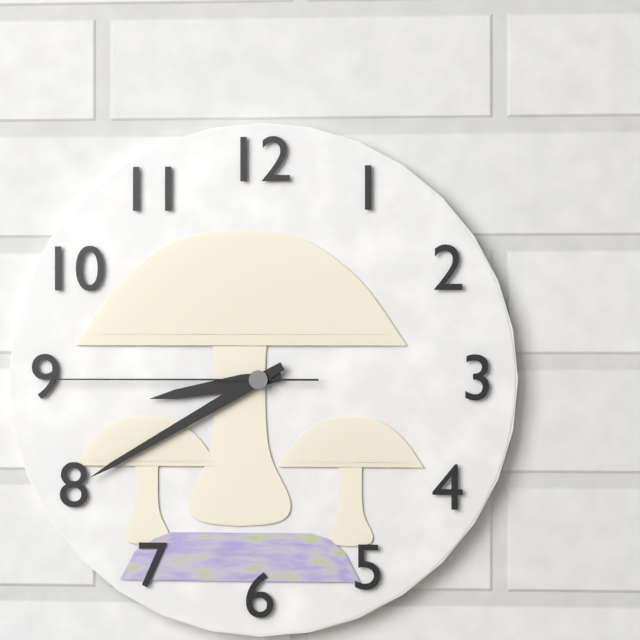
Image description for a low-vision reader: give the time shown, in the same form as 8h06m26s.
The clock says 8h40m45s
